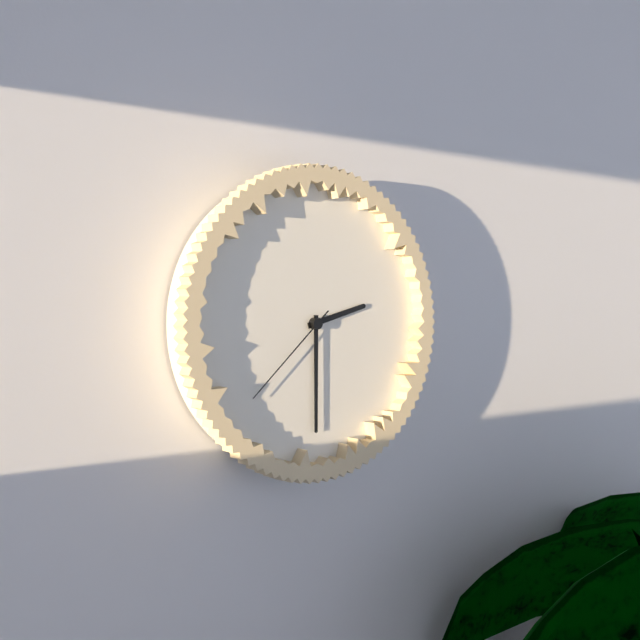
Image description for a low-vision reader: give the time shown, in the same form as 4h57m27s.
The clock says 2h30m38s
